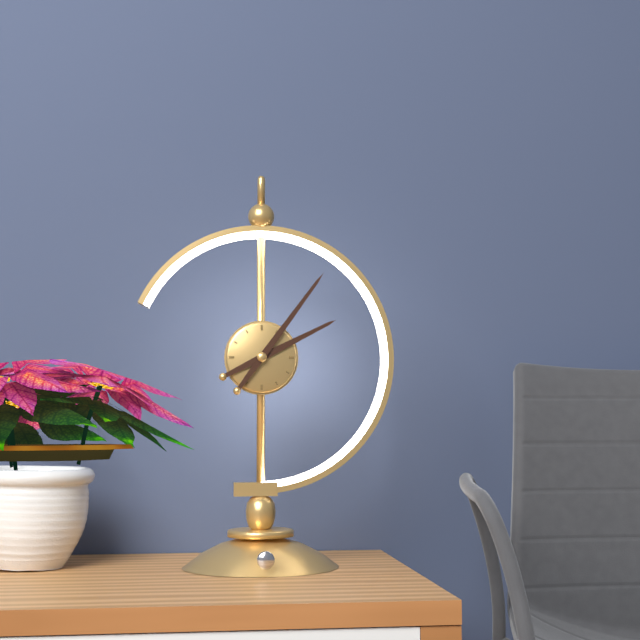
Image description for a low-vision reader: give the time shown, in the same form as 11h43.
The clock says 2h06
